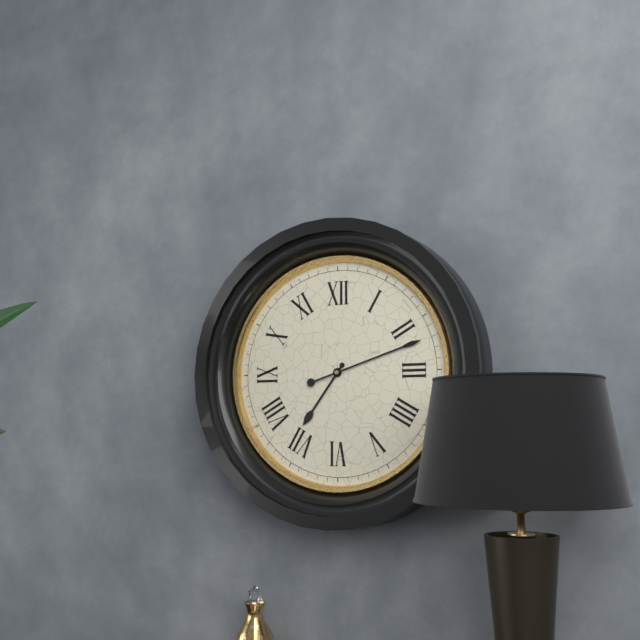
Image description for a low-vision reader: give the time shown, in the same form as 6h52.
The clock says 7h12
